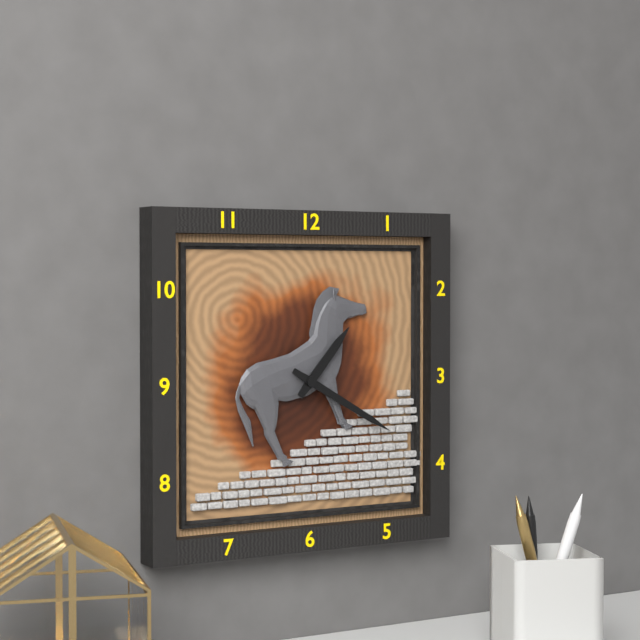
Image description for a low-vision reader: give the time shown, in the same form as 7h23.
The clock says 1h20
